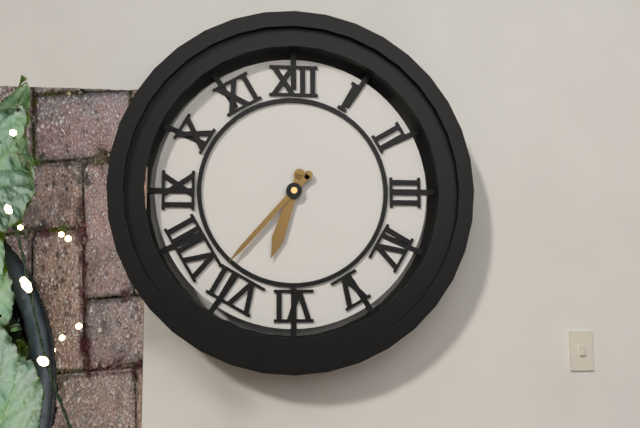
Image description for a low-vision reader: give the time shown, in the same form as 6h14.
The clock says 6h37
